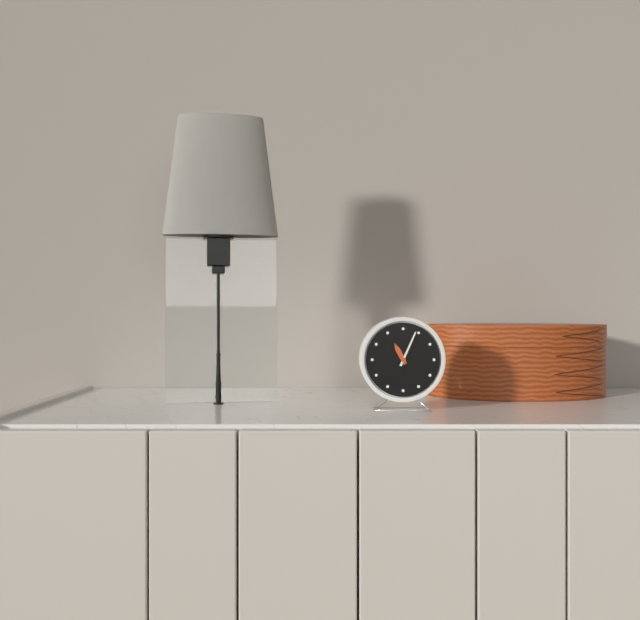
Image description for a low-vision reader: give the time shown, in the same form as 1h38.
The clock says 11h04
